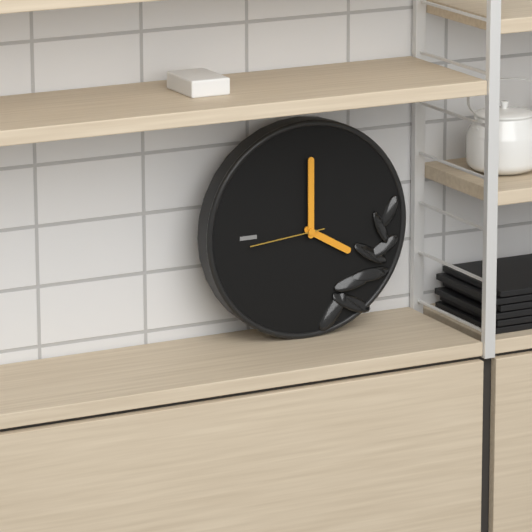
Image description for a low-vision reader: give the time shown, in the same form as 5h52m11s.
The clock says 4h00m44s
